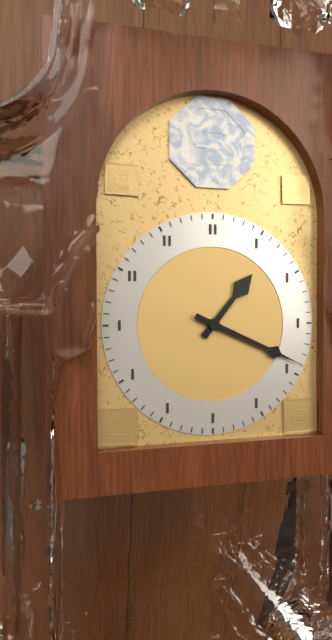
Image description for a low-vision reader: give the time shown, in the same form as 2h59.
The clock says 1h19
